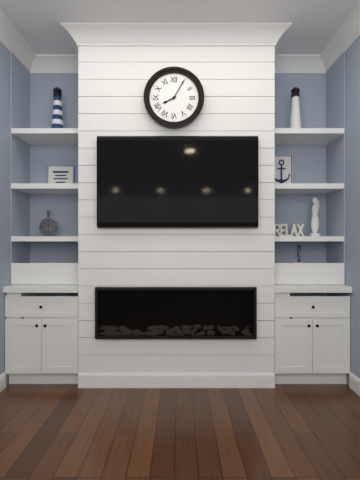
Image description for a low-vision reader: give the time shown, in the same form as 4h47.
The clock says 8h05
